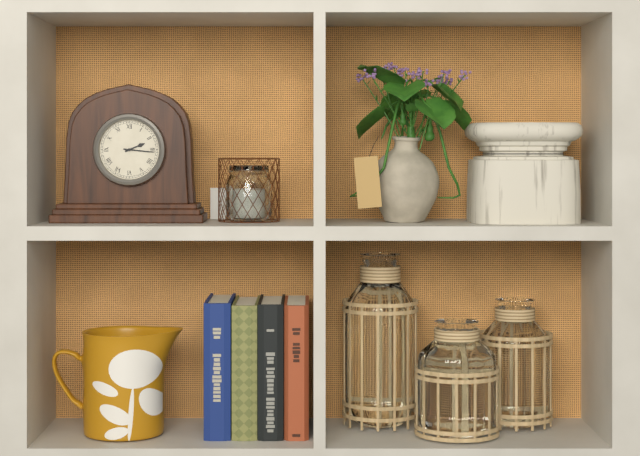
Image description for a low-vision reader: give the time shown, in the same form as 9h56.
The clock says 2h16
